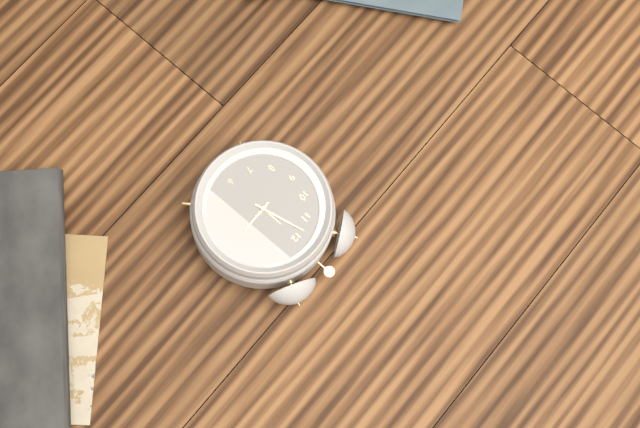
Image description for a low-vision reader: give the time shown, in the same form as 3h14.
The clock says 2h58
